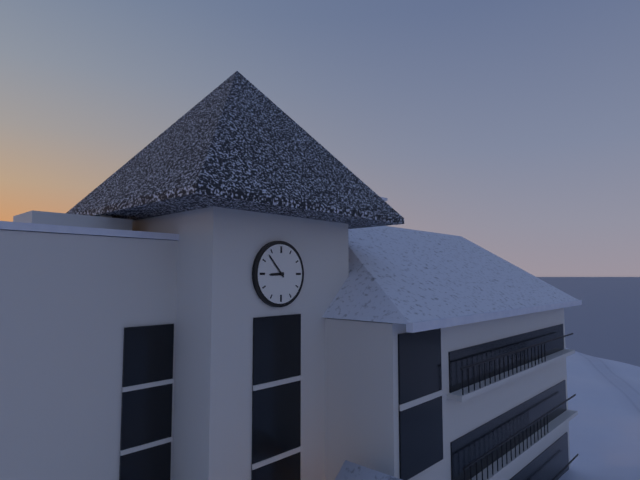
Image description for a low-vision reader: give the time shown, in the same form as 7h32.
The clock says 8h53
